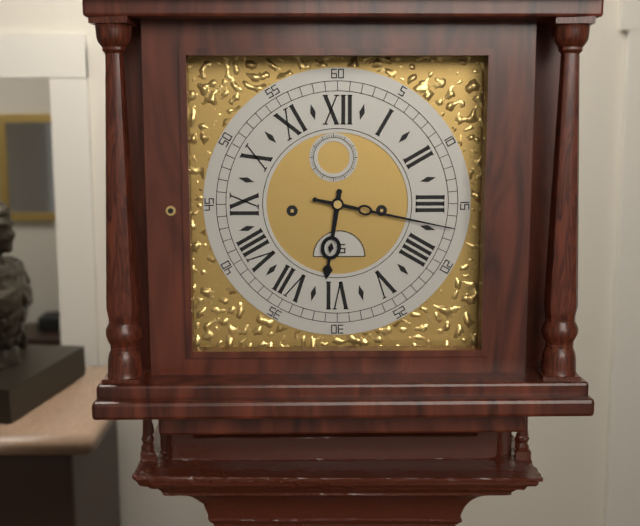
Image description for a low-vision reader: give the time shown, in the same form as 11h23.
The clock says 6h17
